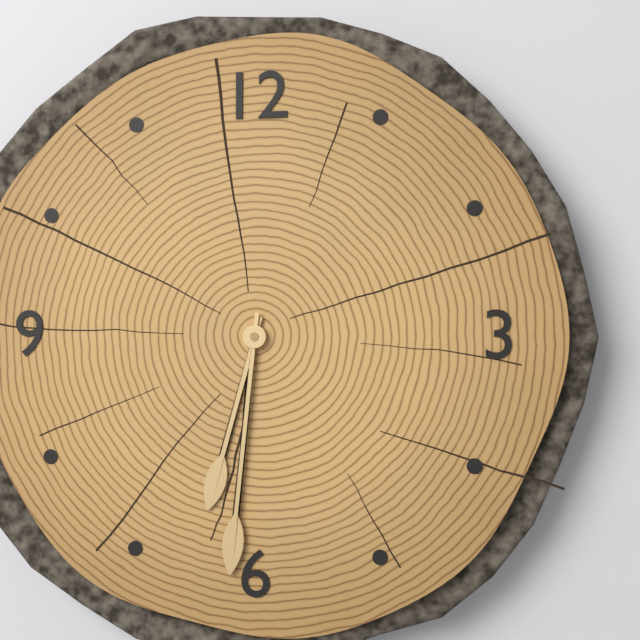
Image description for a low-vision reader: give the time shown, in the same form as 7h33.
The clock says 6h31
